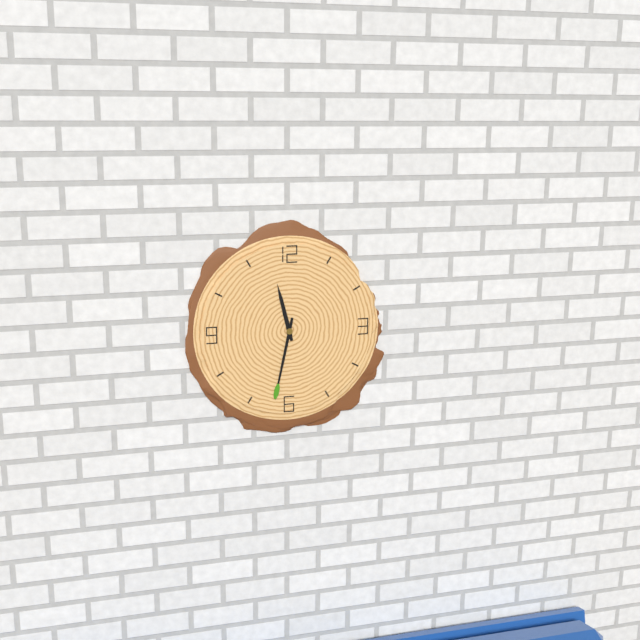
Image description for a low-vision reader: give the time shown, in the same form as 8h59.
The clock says 11h32
